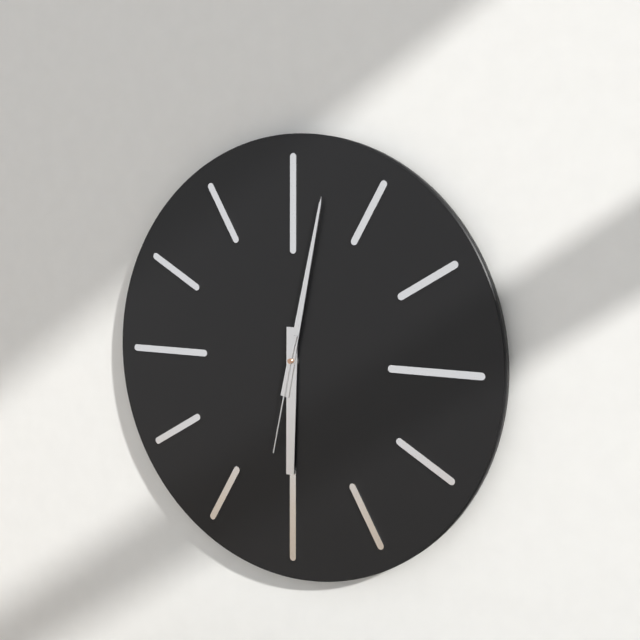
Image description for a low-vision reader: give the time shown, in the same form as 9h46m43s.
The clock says 6h02m32s
